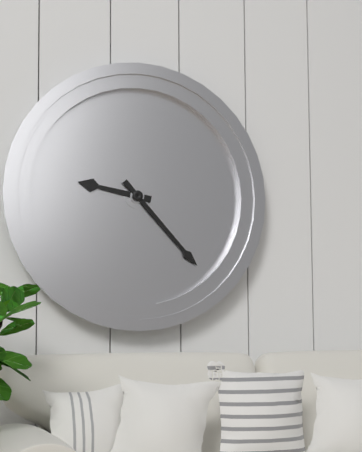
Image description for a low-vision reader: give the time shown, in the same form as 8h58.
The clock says 9h23
